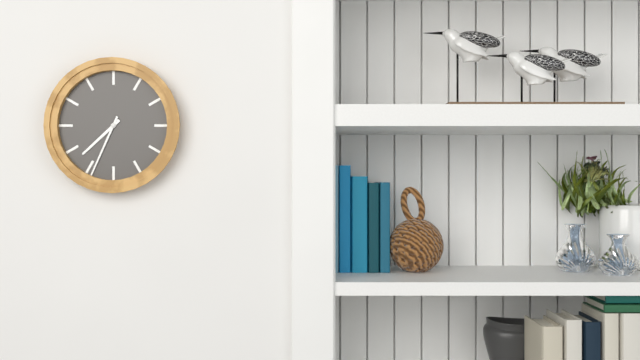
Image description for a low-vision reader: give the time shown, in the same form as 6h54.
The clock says 7h34
